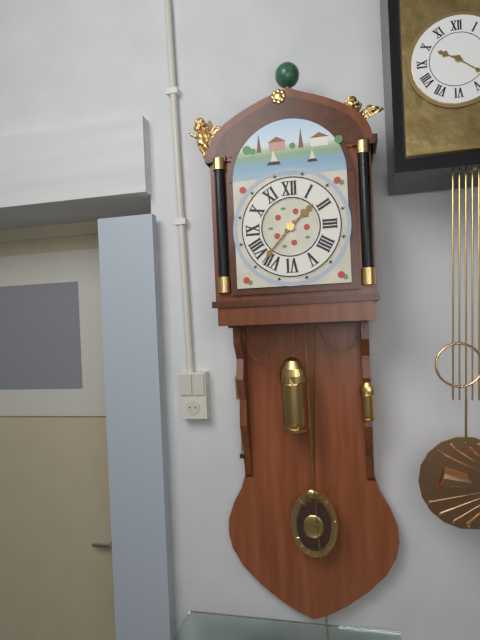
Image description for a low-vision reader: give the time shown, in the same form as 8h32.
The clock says 1h37
